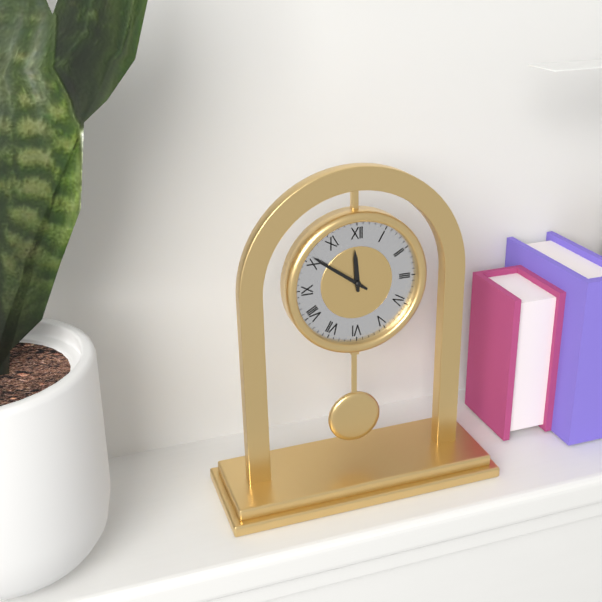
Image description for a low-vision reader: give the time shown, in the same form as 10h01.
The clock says 11h51
